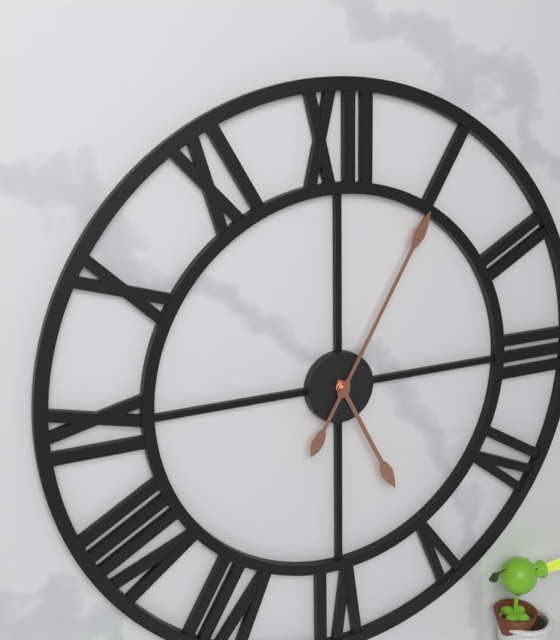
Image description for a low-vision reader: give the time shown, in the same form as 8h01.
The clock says 5h05
